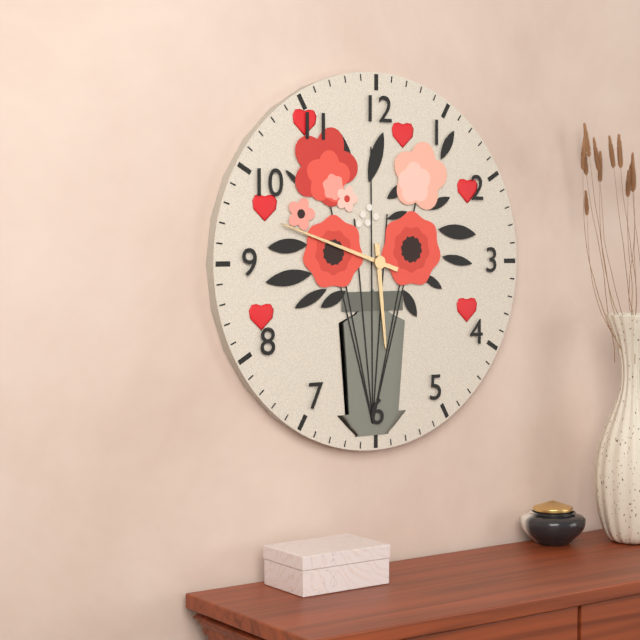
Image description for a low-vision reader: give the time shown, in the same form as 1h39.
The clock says 5h48
